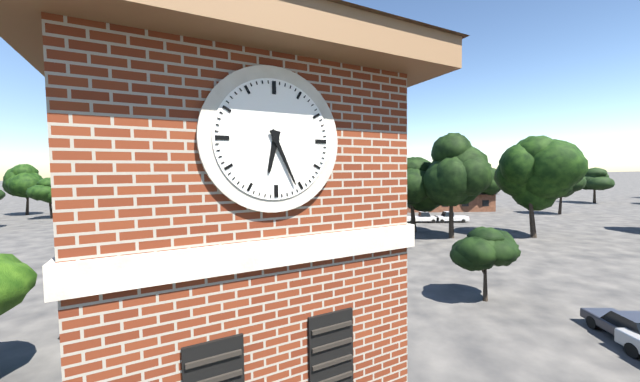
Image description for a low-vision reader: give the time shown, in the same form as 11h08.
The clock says 6h26
